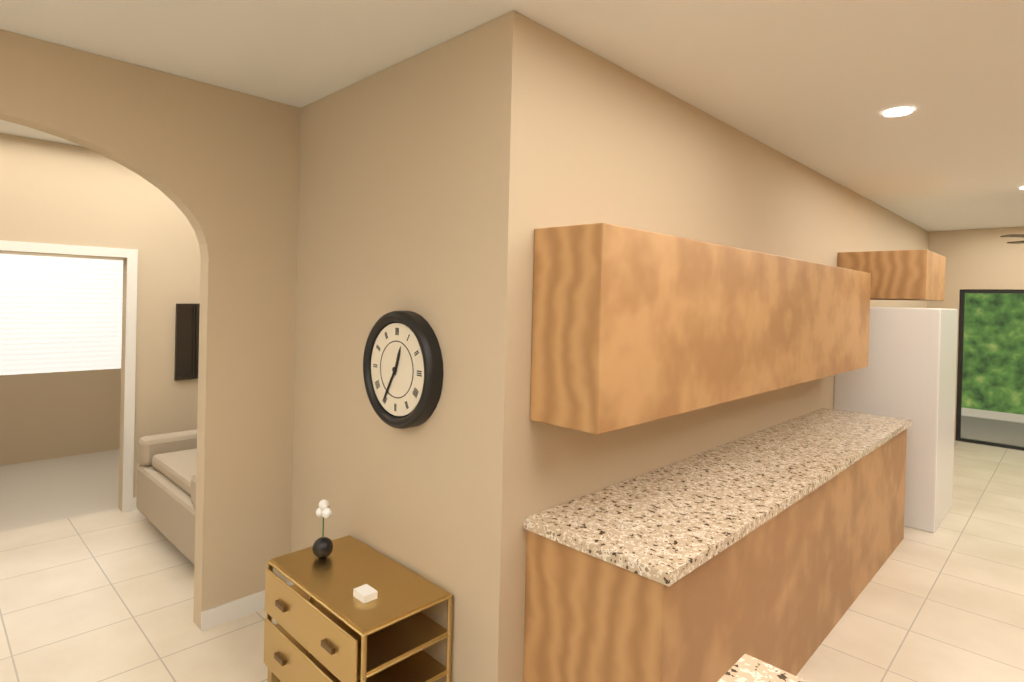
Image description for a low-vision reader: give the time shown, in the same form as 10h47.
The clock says 12h35
